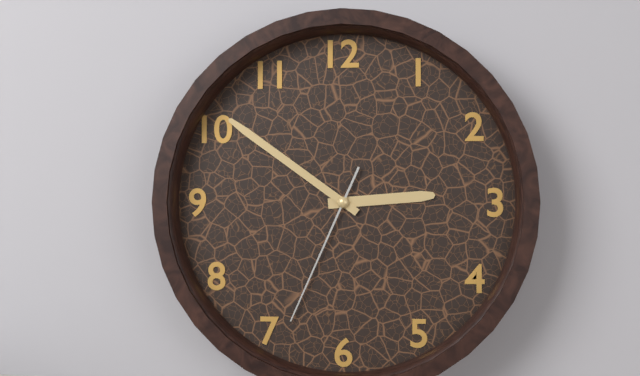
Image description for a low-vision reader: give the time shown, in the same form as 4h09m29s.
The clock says 2h51m34s
